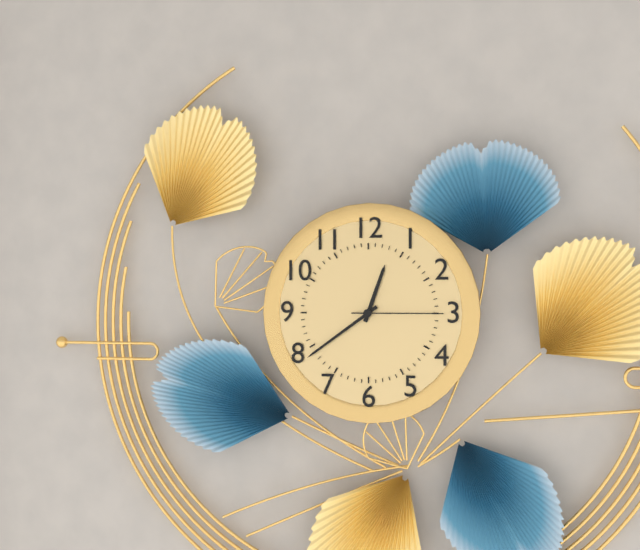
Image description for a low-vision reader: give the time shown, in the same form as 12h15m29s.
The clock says 12h39m15s
